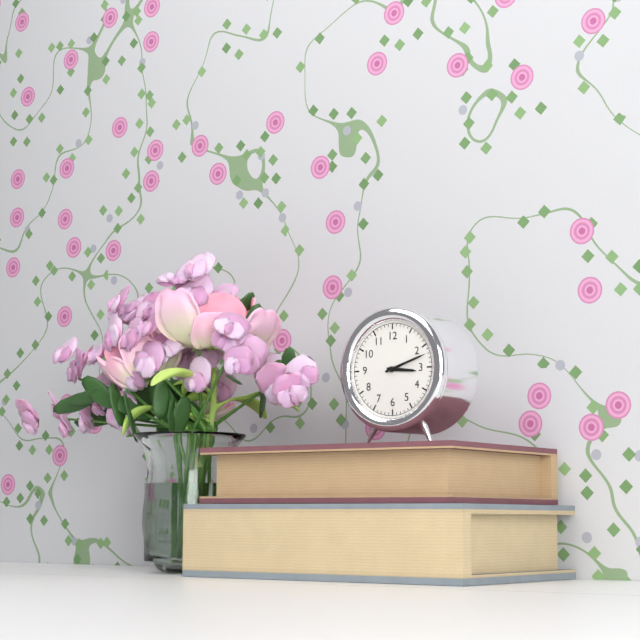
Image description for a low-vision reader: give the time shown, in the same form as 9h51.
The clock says 3h12
